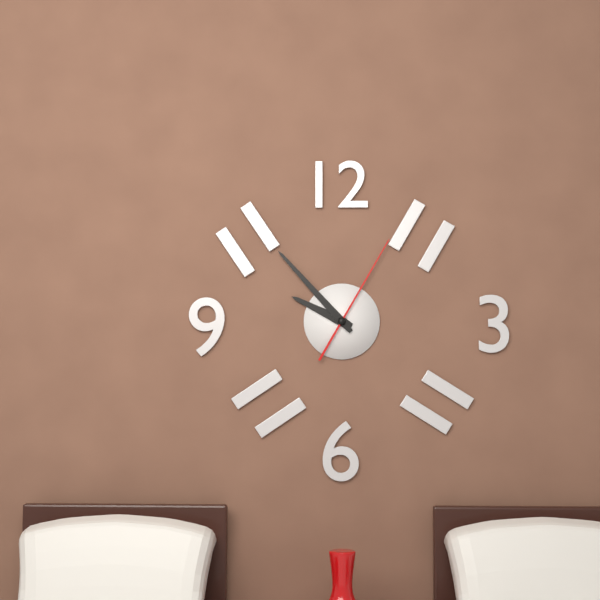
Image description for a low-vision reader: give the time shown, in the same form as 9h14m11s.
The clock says 9h53m05s
